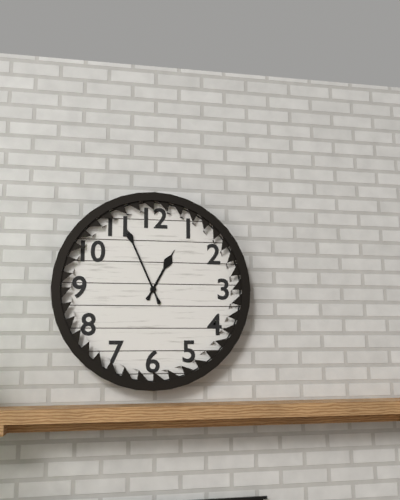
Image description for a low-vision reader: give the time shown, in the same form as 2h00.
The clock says 12h56
